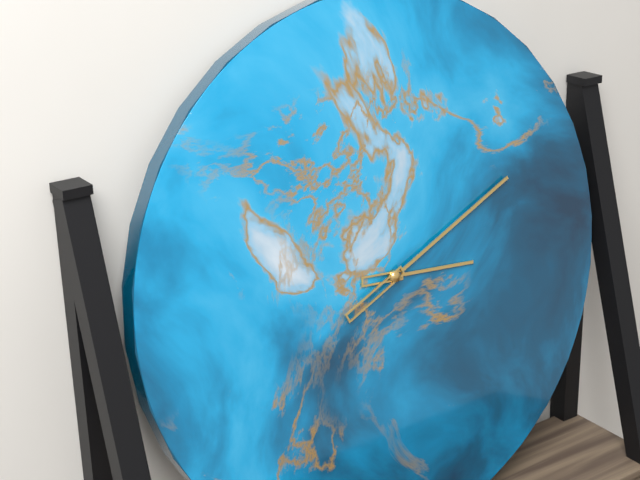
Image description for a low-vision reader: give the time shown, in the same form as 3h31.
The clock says 3h11
